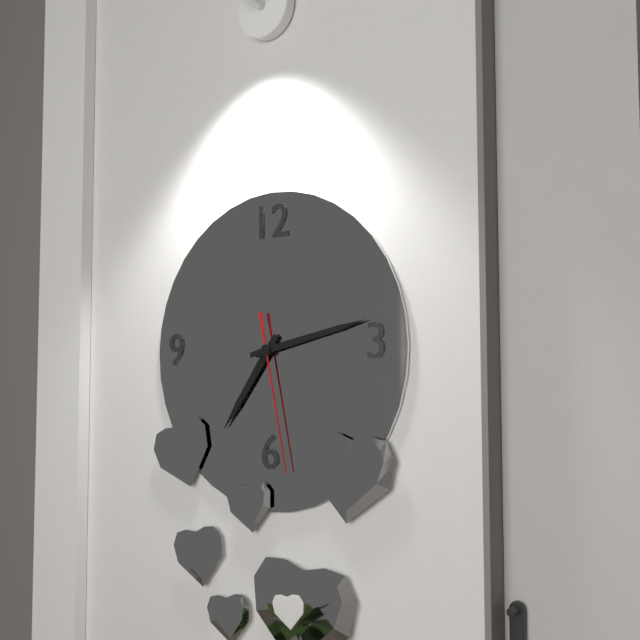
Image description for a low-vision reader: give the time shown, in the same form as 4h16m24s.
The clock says 7h13m28s
